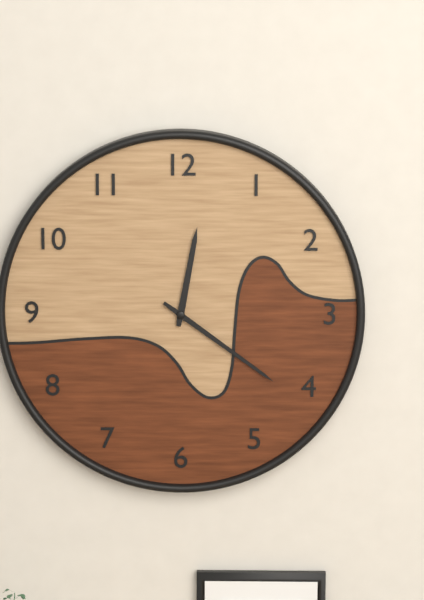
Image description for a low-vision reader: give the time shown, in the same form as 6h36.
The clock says 12h21
